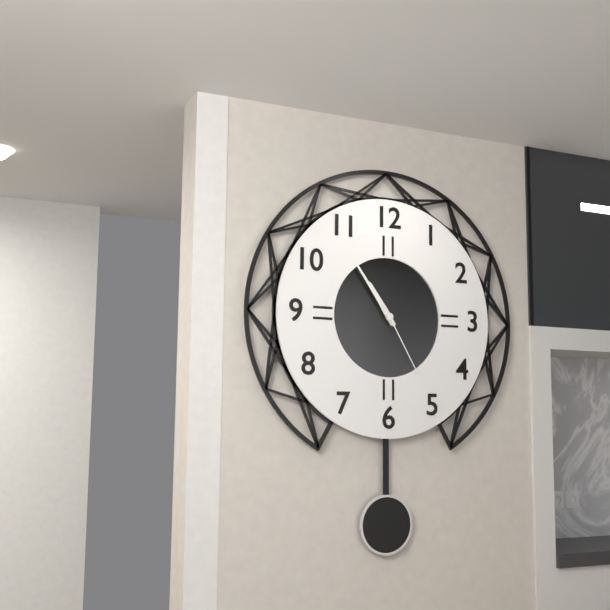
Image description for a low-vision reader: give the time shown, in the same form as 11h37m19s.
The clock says 10h54m25s
